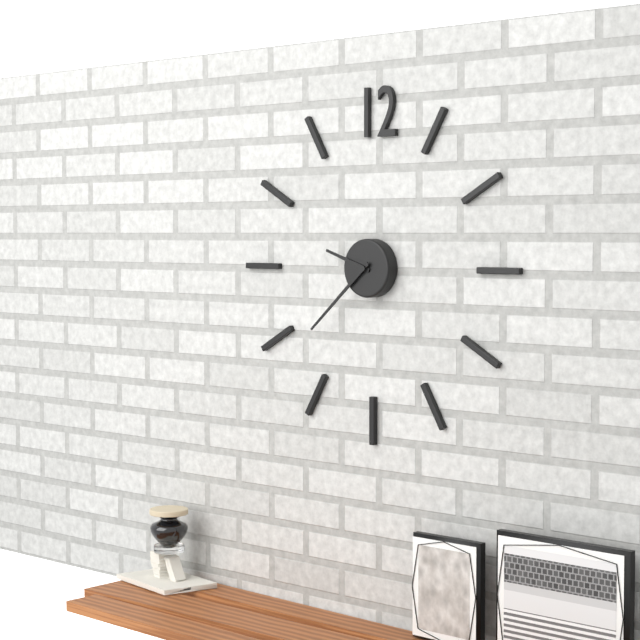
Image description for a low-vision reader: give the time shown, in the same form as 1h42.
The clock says 9h38
